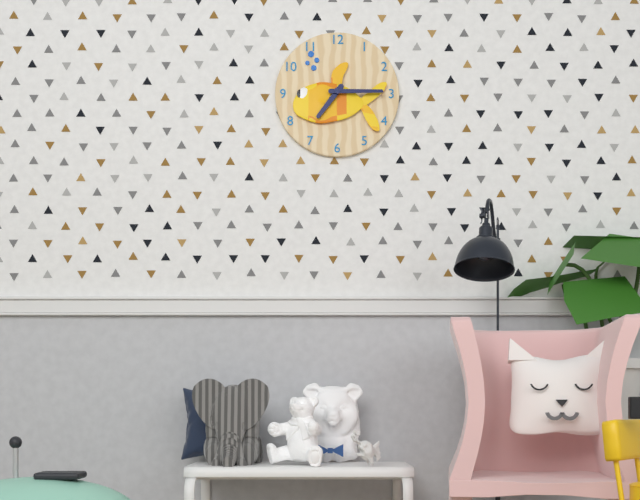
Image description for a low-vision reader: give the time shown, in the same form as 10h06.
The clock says 7h15
